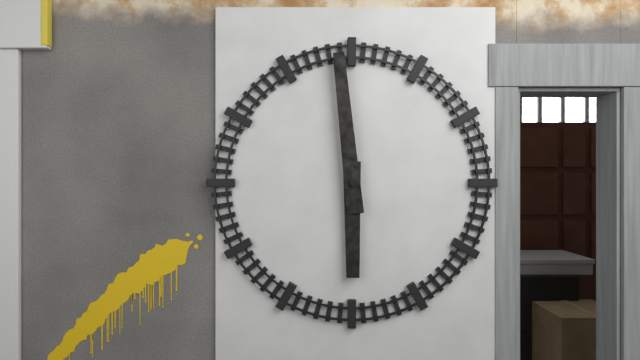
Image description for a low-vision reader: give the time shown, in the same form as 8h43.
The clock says 5h59
